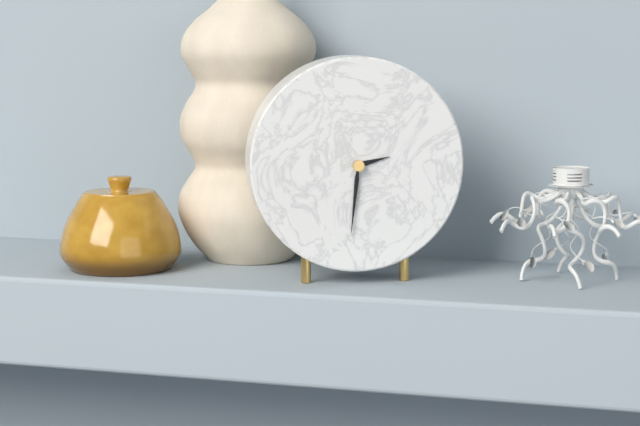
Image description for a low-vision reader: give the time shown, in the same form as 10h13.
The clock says 2h31
